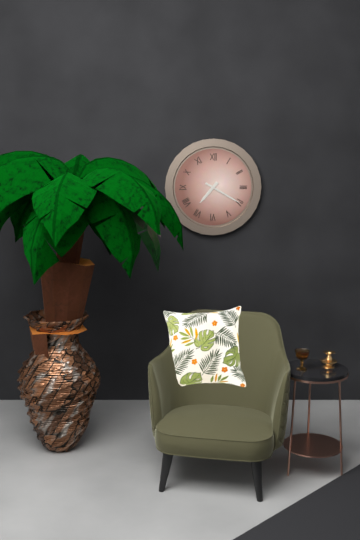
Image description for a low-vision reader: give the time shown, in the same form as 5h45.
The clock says 7h20
